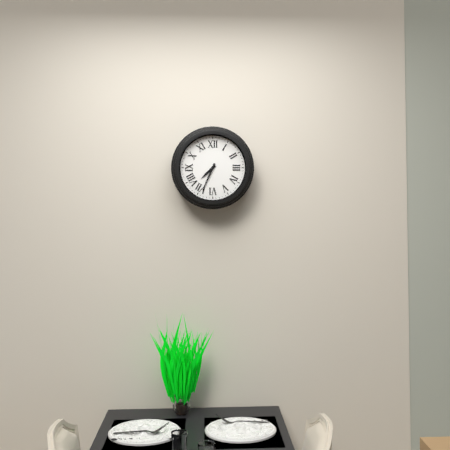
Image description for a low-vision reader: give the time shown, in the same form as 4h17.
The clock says 7h34
